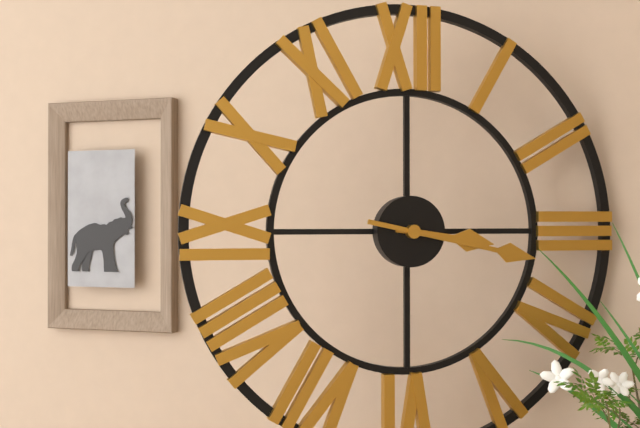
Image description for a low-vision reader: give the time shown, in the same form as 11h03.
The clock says 3h17
